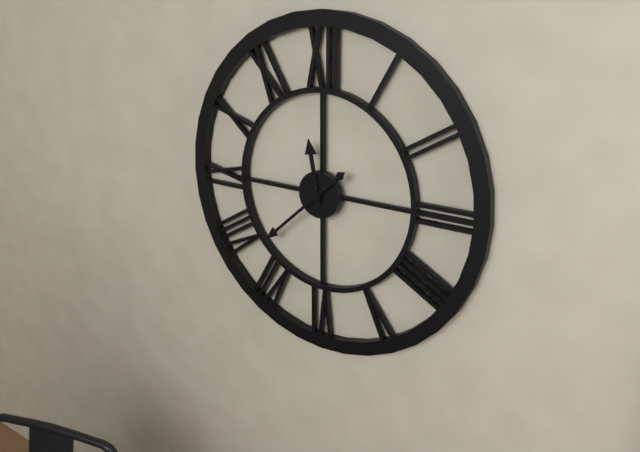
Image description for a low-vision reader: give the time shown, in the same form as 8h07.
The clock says 11h38
